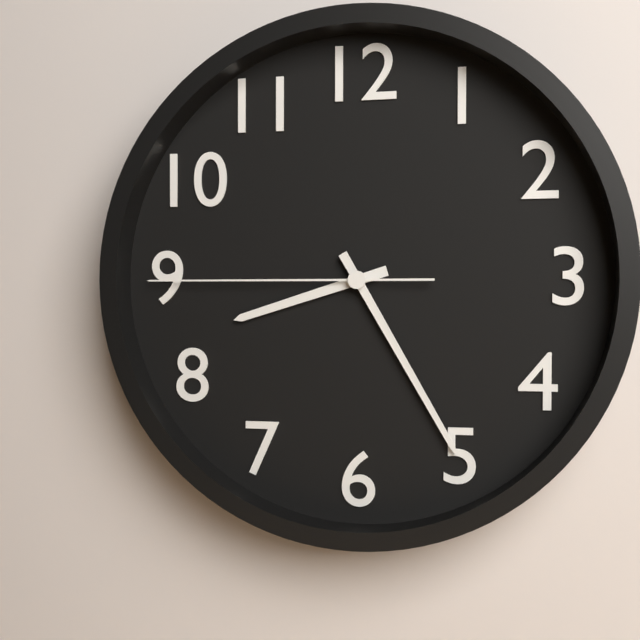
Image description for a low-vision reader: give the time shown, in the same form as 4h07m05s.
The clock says 8h25m45s
